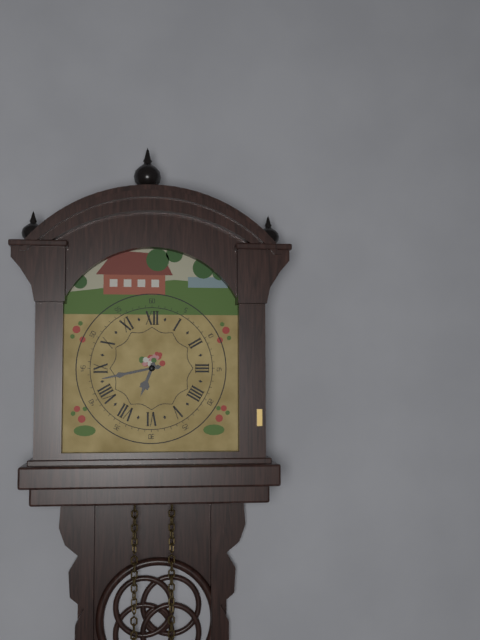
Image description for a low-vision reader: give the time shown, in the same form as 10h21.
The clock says 6h43
